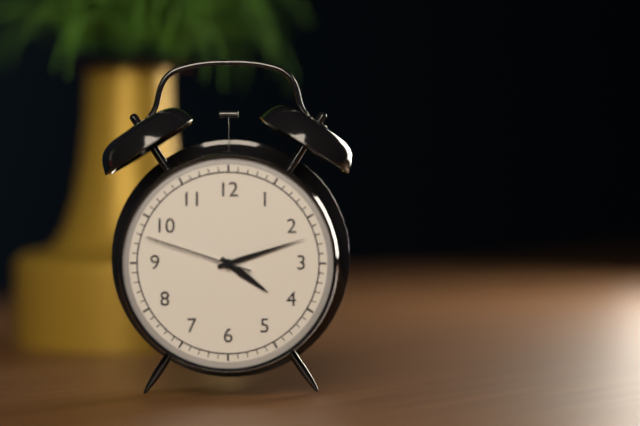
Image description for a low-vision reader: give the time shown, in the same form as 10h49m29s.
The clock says 4h12m48s
